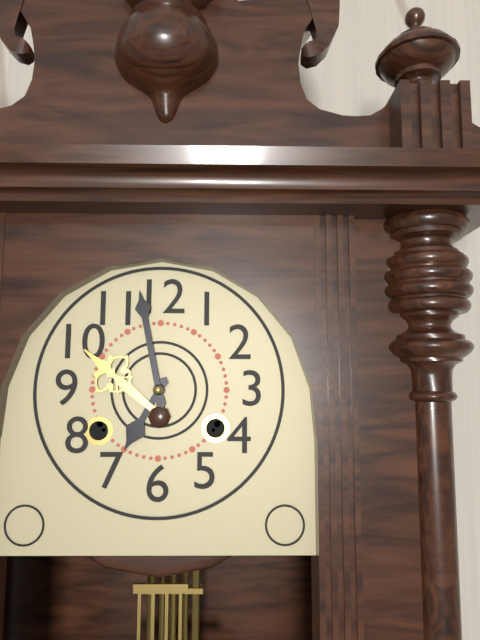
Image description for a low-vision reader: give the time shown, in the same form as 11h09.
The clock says 6h58
